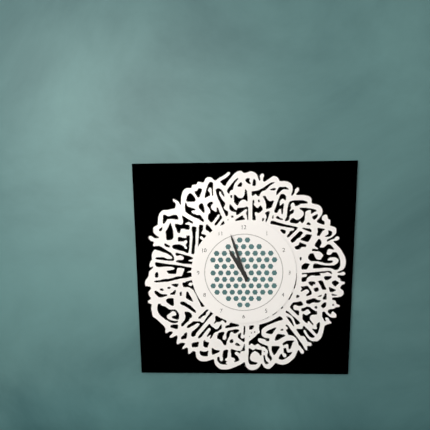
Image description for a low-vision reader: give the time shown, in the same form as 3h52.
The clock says 10h57
